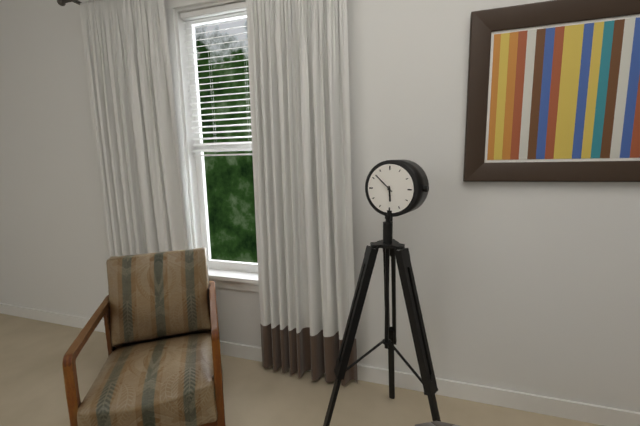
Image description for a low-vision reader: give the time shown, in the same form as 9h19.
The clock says 5h52
